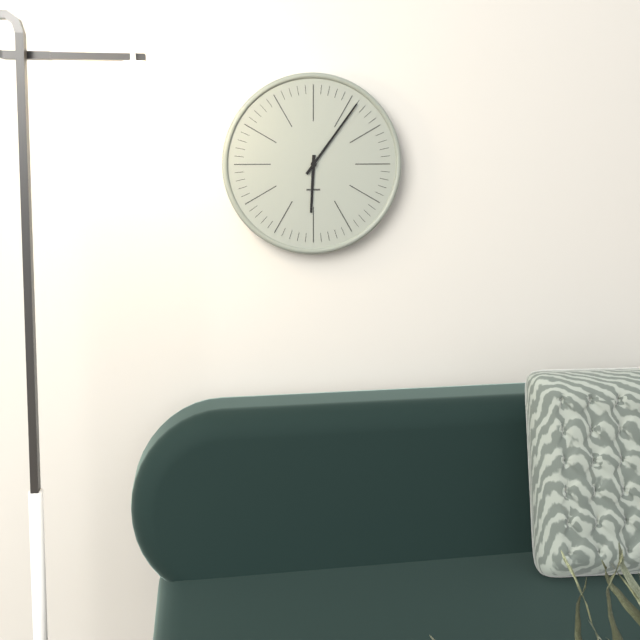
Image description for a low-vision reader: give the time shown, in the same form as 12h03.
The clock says 6h06
